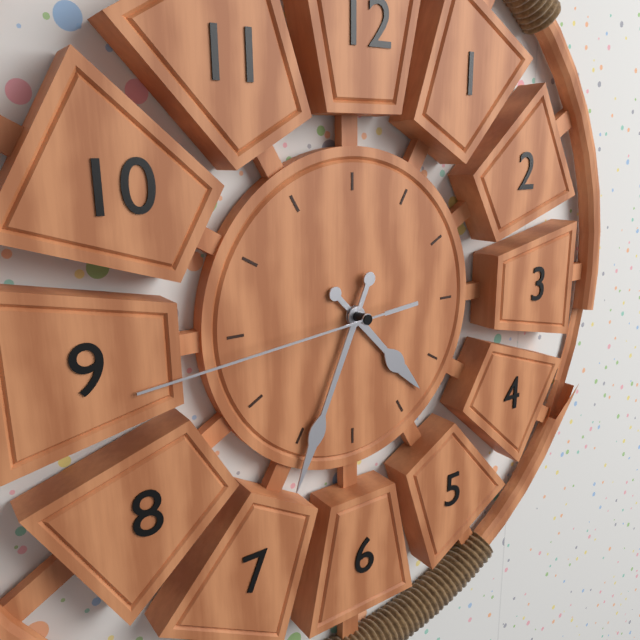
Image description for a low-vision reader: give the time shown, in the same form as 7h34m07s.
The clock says 4h34m44s
